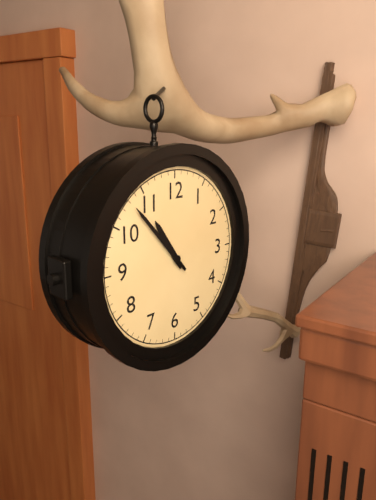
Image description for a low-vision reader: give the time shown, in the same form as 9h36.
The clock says 10h53
